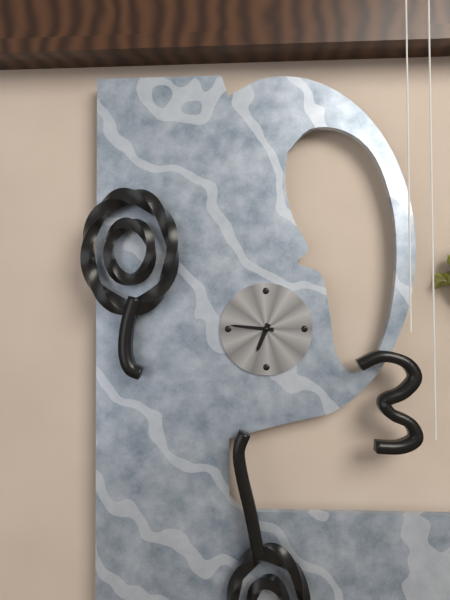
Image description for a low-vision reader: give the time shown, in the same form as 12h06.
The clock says 6h46
